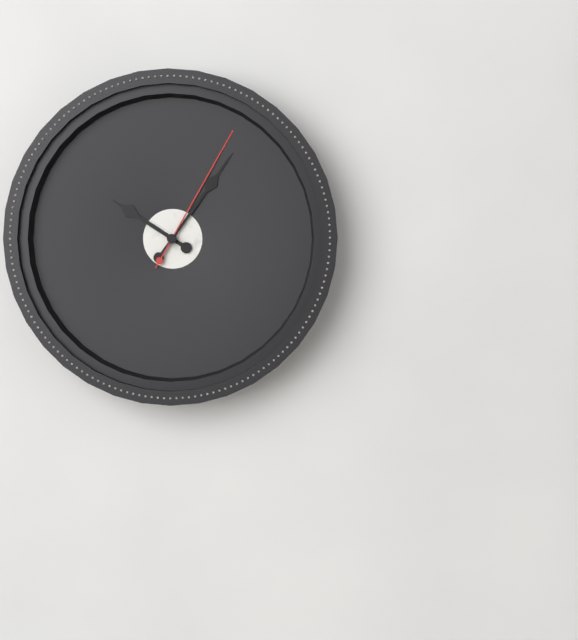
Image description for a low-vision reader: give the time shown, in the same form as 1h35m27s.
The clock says 10h06m05s
